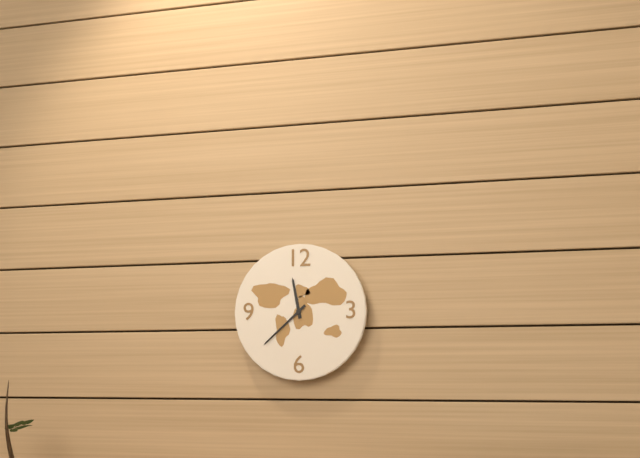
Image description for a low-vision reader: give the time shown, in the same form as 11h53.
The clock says 11h38
